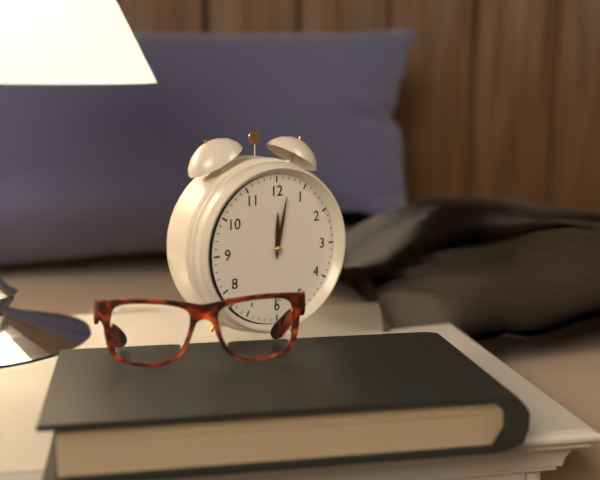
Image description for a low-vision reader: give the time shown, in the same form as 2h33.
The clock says 12h02
